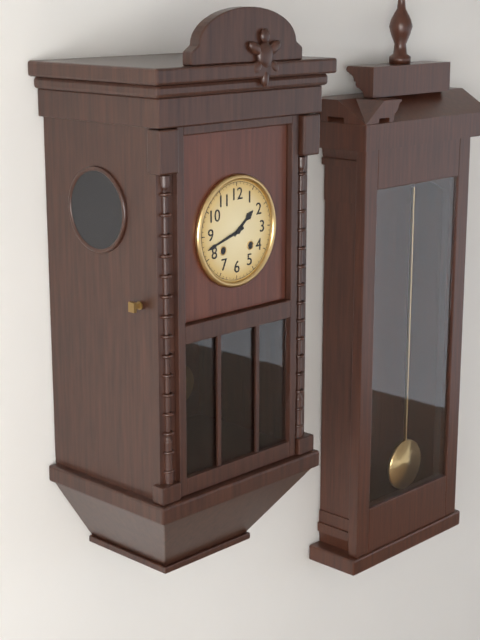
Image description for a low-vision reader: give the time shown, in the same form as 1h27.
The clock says 1h42
